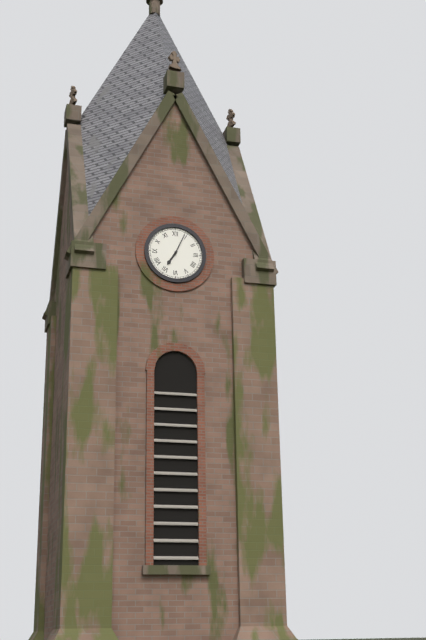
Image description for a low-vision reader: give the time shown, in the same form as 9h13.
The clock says 7h04
